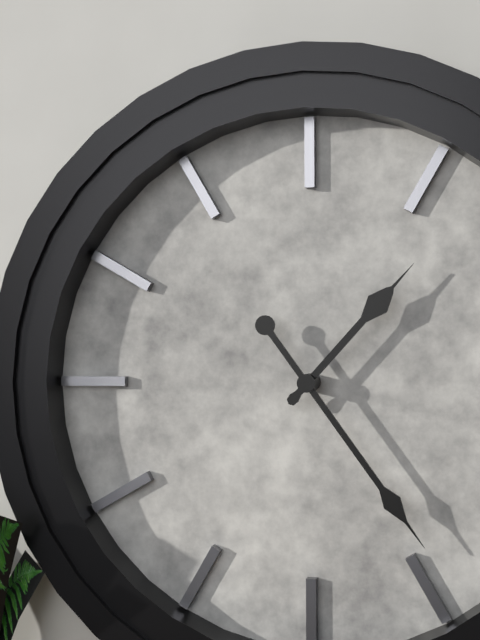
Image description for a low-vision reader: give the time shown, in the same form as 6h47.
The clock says 1h24
